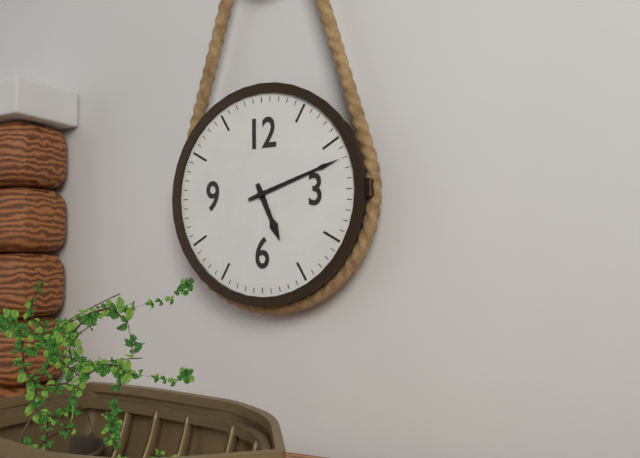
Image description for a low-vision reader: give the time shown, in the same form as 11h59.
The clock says 5h12
